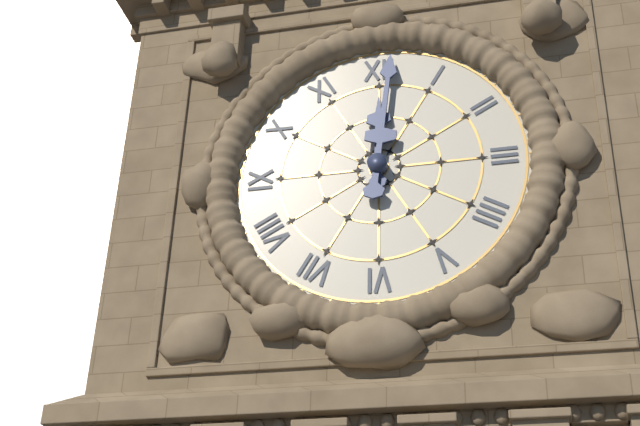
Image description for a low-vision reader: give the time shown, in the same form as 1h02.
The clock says 12h01
